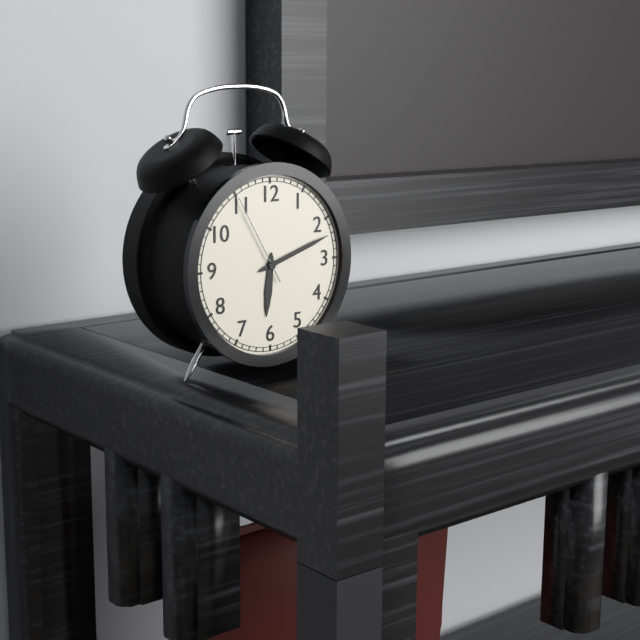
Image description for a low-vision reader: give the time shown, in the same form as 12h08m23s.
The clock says 6h12m55s
